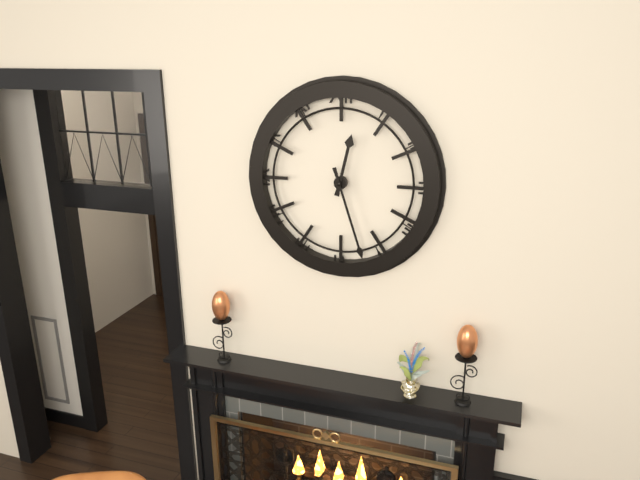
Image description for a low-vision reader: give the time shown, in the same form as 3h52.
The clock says 12h27
